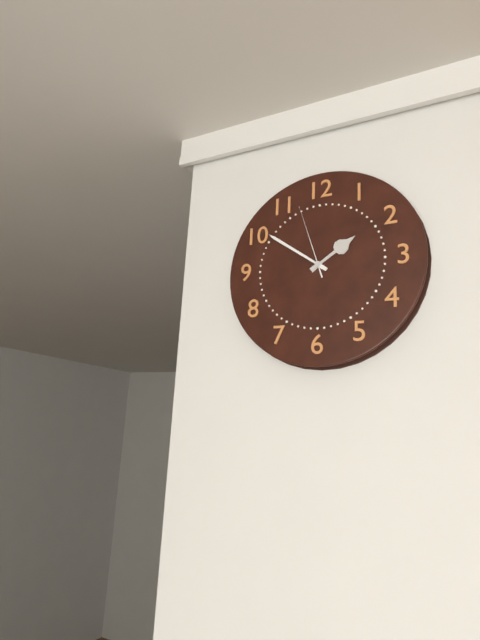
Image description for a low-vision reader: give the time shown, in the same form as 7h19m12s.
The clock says 1h51m57s
